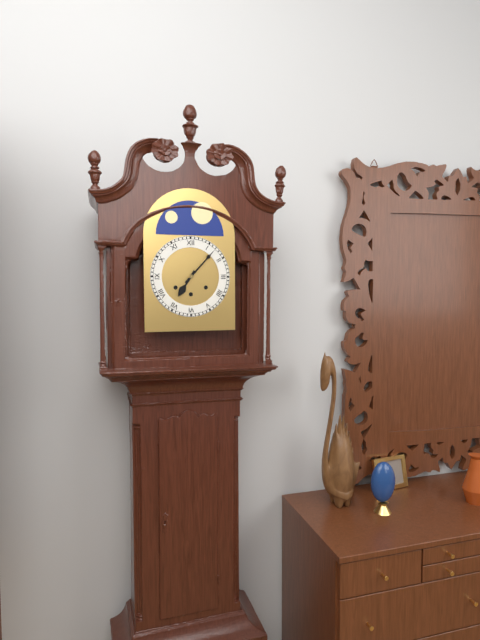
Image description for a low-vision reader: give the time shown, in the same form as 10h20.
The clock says 7h07
